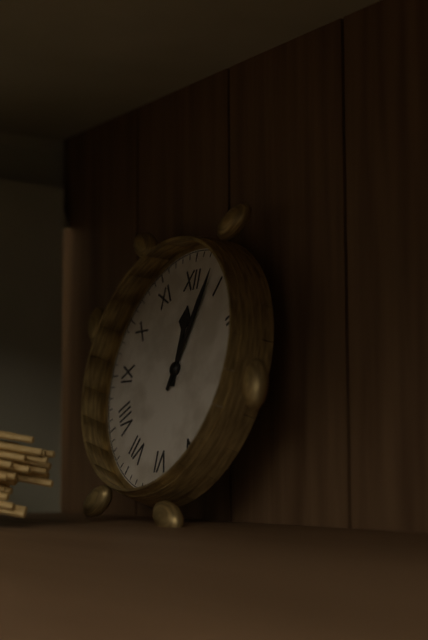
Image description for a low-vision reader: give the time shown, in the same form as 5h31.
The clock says 12h03
